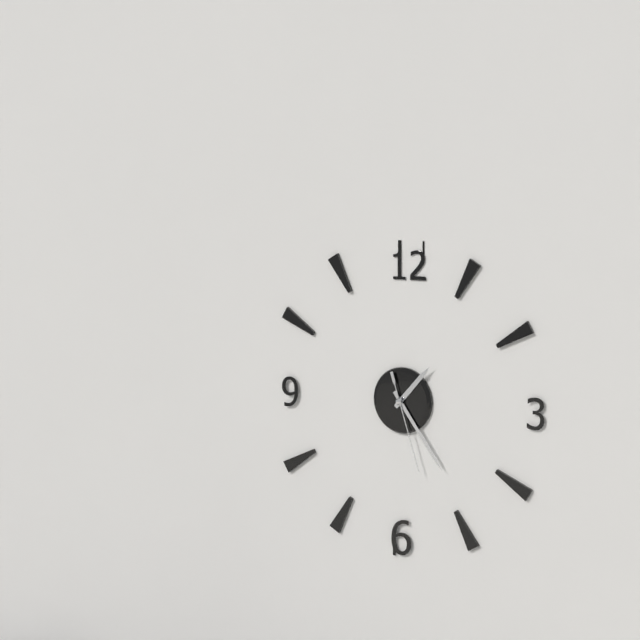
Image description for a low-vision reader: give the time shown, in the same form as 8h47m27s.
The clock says 1h24m27s
